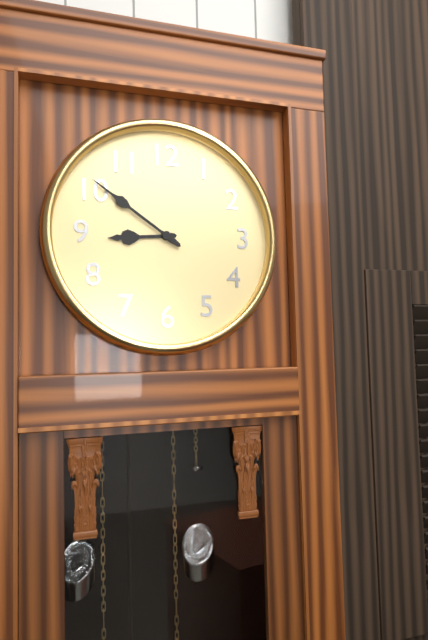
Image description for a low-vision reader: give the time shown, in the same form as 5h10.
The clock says 8h51
